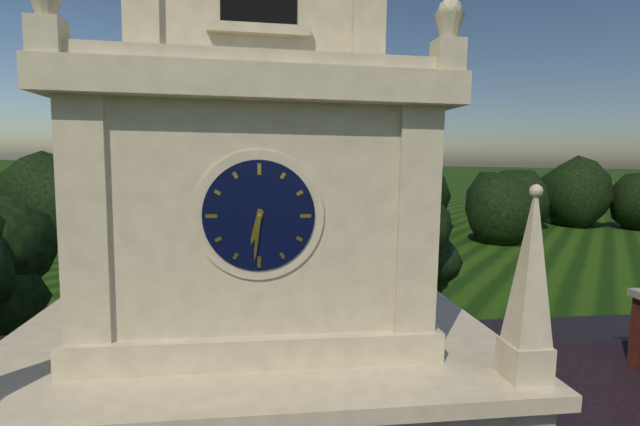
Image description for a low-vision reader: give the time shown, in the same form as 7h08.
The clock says 6h31
